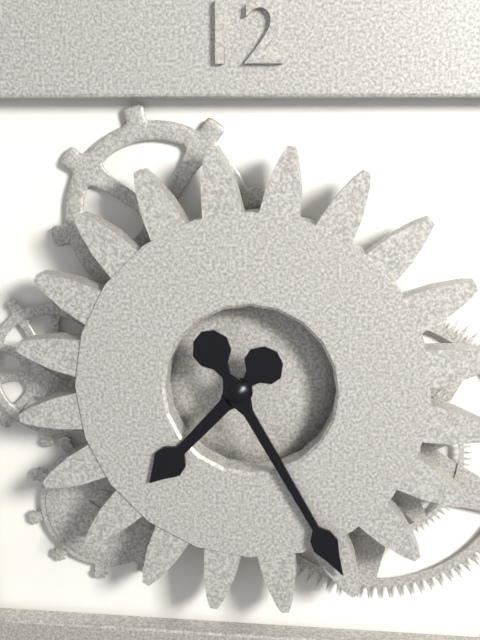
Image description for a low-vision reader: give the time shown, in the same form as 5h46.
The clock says 7h25
